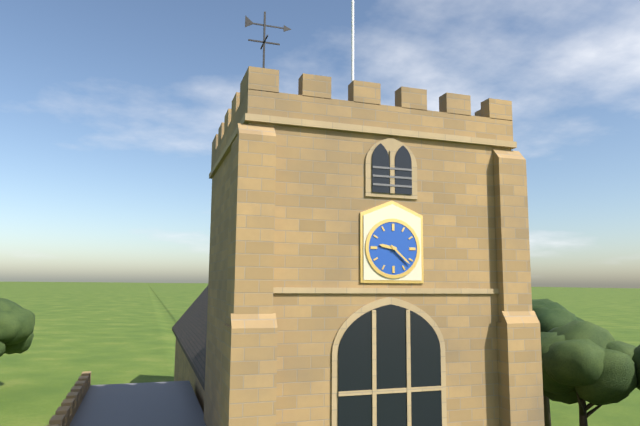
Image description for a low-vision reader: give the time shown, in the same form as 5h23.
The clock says 9h22
